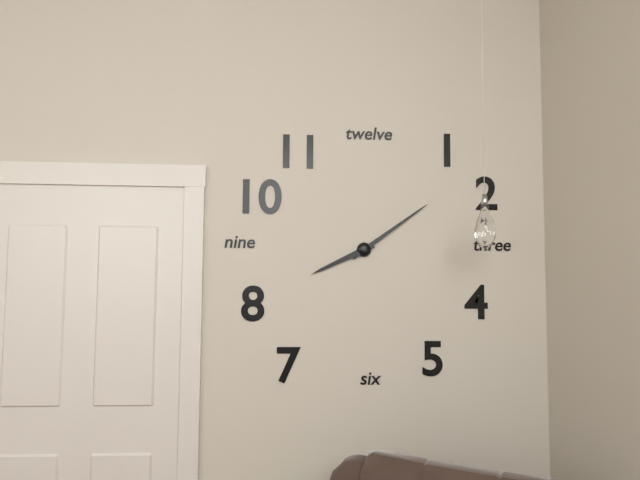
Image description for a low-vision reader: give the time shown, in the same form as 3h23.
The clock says 8h09
